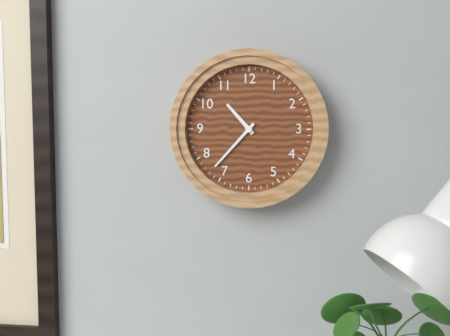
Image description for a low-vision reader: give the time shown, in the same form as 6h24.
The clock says 10h37
